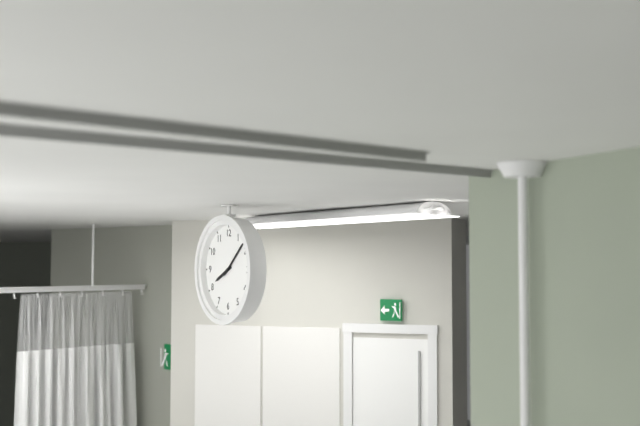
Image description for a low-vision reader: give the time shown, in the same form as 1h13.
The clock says 8h08
